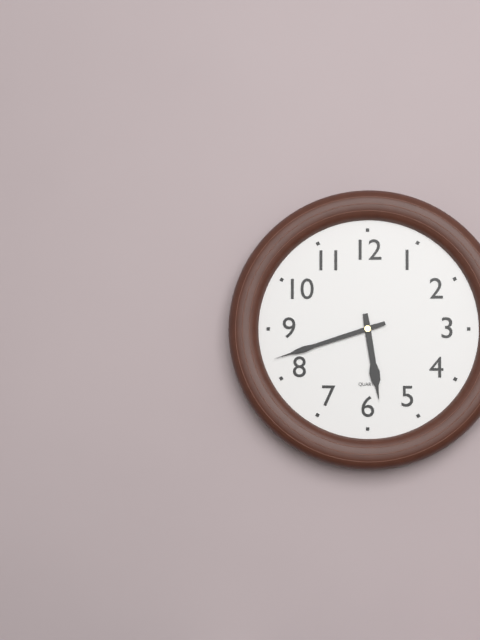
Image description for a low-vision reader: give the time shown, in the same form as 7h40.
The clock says 5h42
